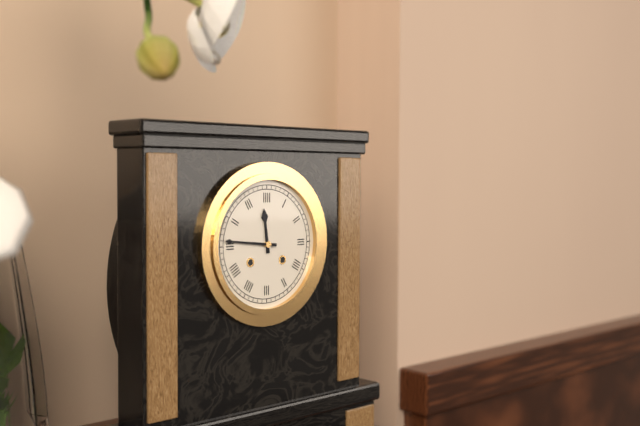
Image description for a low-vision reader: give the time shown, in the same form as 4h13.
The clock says 11h46
